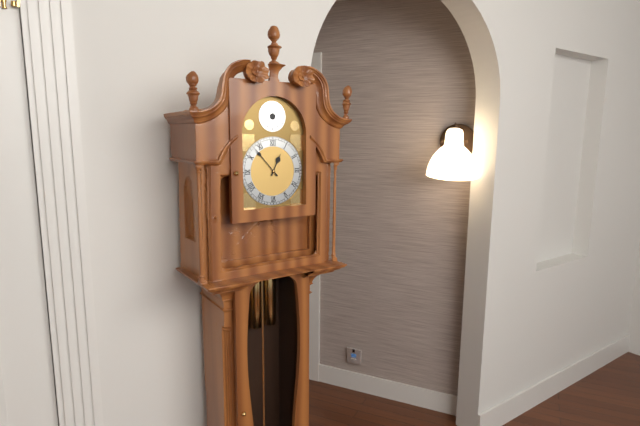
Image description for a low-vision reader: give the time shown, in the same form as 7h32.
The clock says 12h53
